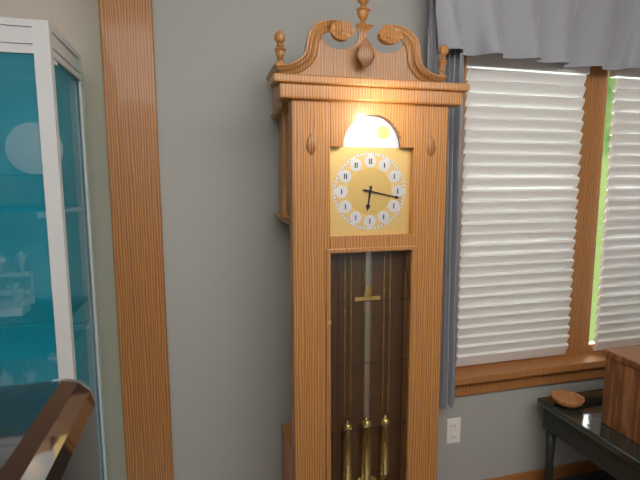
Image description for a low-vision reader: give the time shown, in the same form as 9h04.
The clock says 6h17
